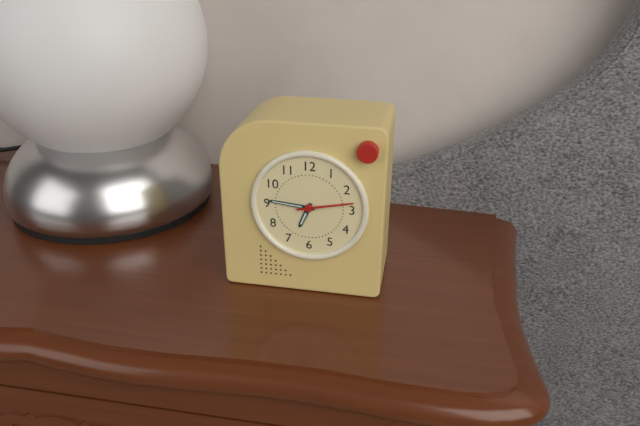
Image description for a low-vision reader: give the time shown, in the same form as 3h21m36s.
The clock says 6h46m13s
